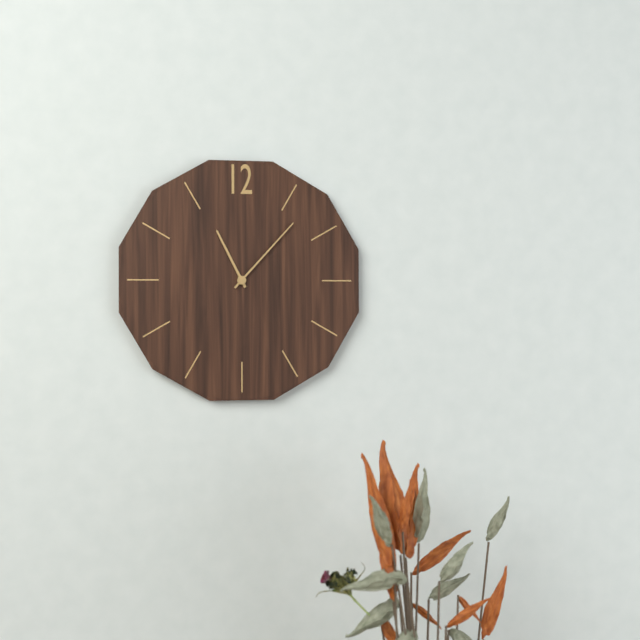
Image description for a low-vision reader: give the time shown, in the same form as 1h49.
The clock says 11h07
